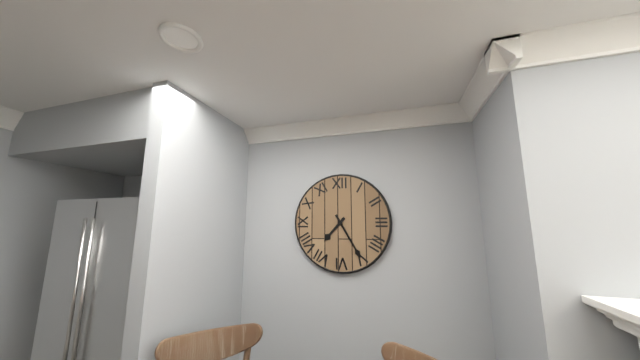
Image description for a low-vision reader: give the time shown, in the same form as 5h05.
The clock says 7h25
